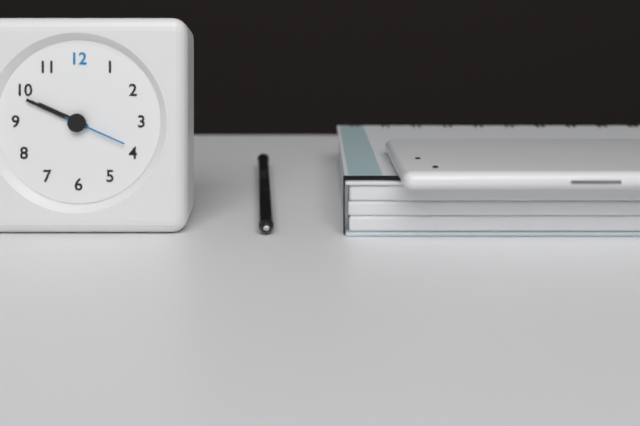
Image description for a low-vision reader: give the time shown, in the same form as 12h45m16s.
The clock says 9h49m19s
